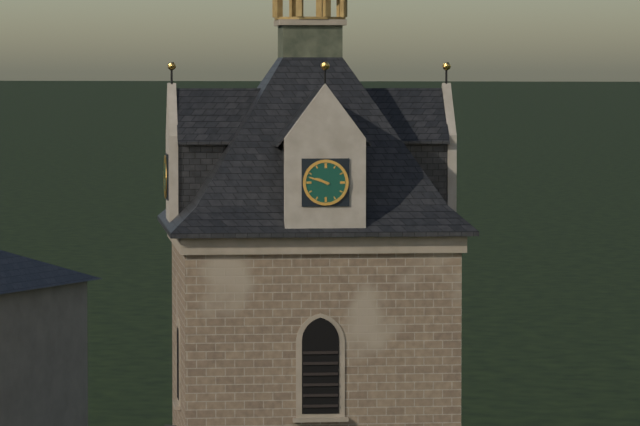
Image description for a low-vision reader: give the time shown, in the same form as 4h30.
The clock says 9h48
